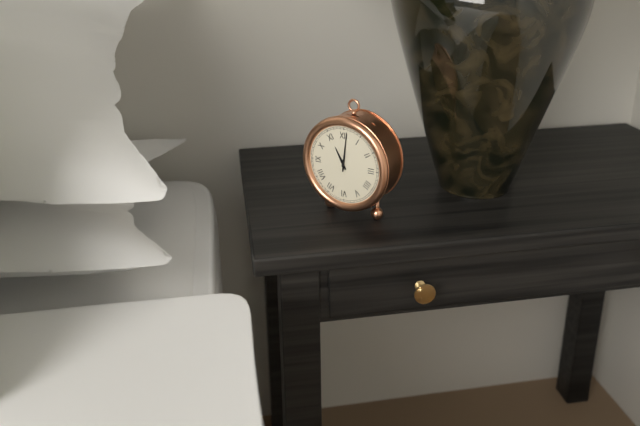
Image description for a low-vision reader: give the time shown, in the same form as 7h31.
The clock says 11h01
